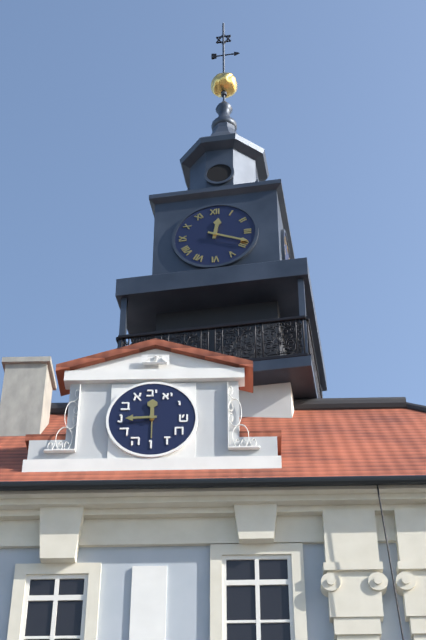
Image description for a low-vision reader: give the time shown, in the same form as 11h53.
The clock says 12h19
